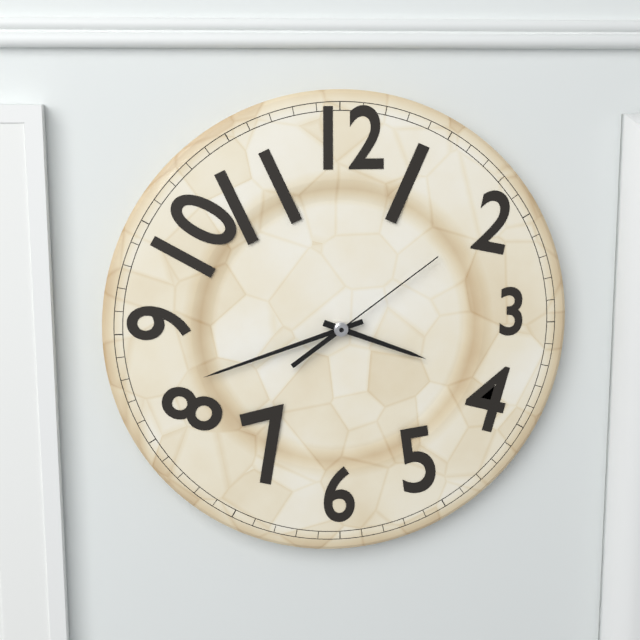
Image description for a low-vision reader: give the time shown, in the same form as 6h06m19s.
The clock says 3h42m09s
